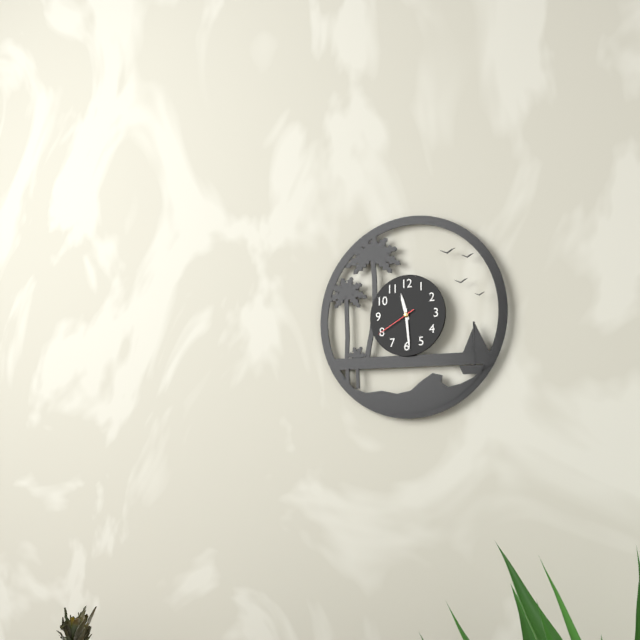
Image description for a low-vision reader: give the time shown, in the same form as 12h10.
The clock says 11h29
